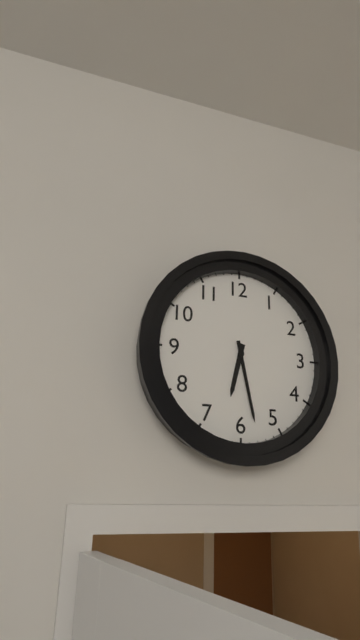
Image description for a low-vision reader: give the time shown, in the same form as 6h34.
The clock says 6h28
